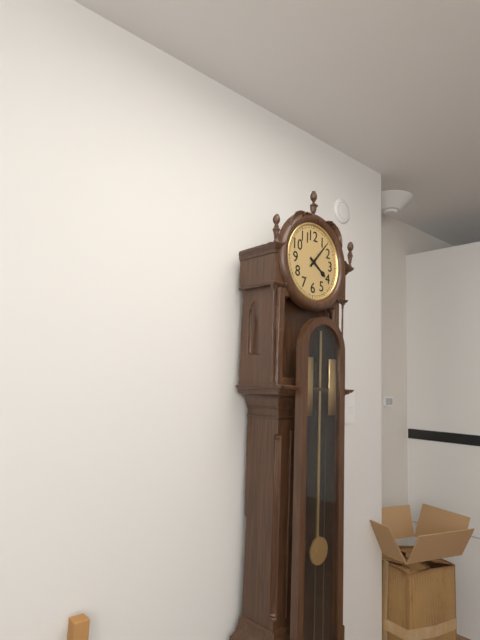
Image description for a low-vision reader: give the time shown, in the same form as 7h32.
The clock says 4h07
